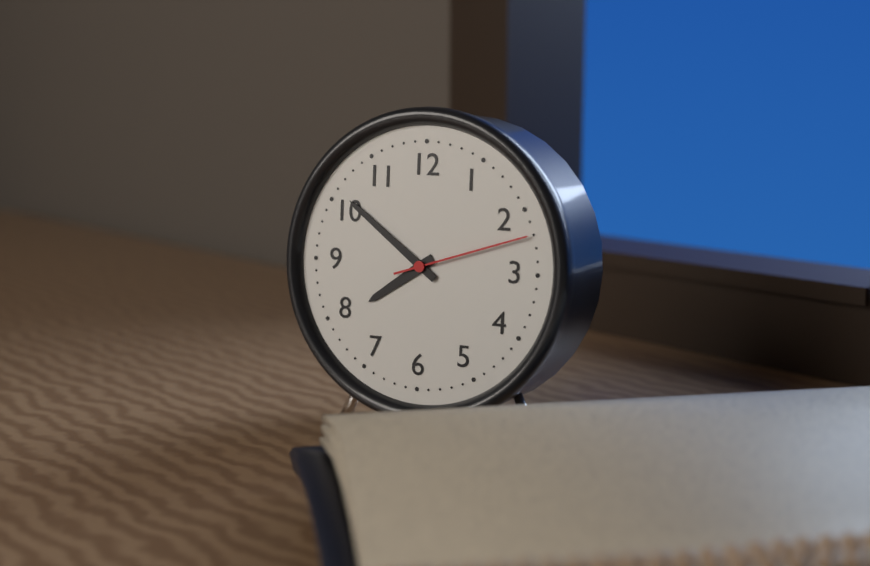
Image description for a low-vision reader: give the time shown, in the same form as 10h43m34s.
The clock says 7h51m12s
